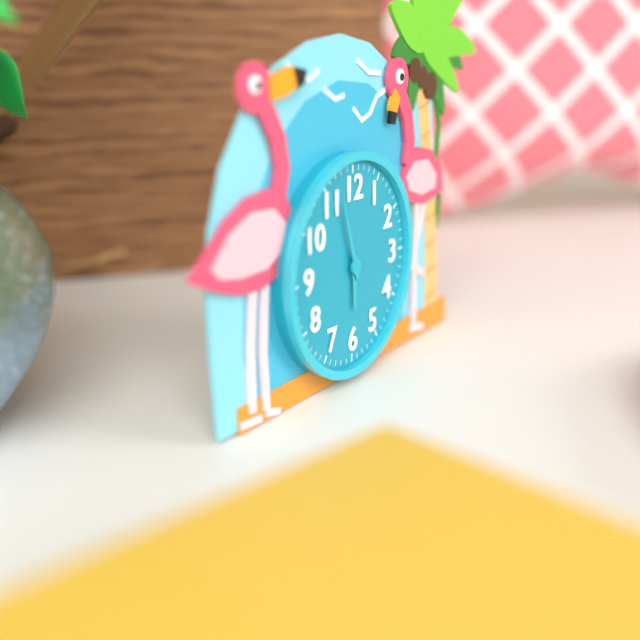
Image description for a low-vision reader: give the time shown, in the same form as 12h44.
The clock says 5h57
